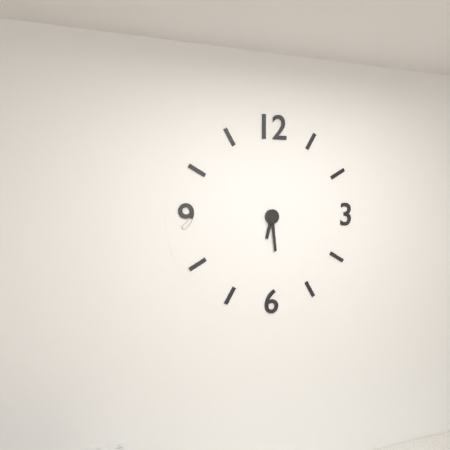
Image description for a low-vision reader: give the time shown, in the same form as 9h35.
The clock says 6h29
